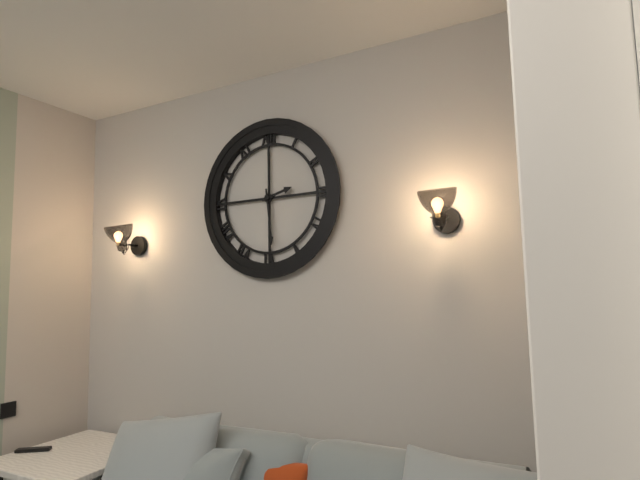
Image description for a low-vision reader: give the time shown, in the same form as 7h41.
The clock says 2h29
